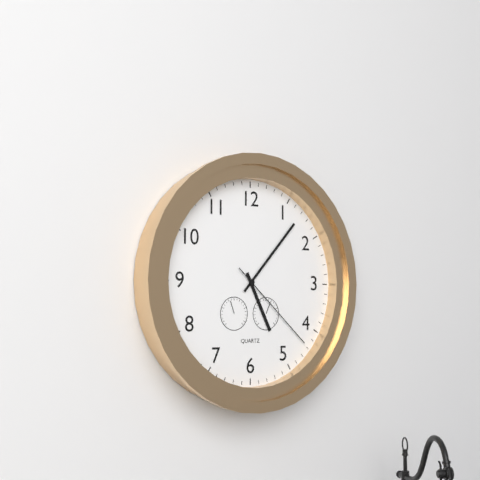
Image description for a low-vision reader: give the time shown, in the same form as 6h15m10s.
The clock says 5h07m22s
